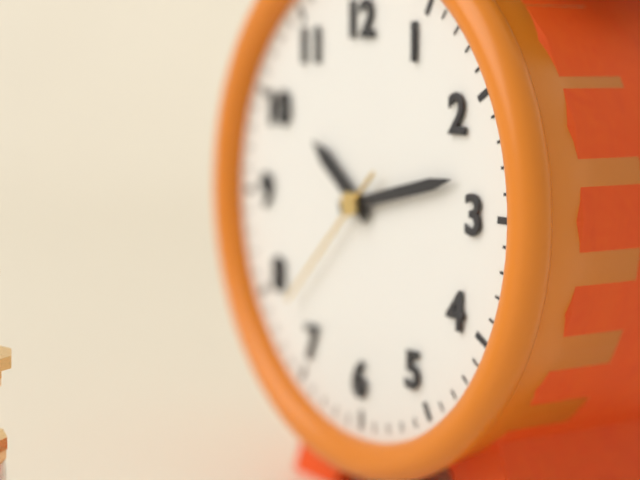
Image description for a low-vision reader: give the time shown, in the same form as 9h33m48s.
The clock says 10h13m38s
